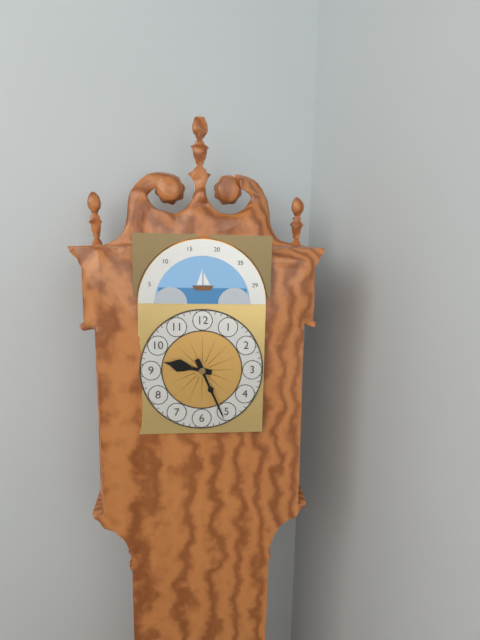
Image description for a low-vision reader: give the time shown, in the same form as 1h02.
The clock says 9h26
